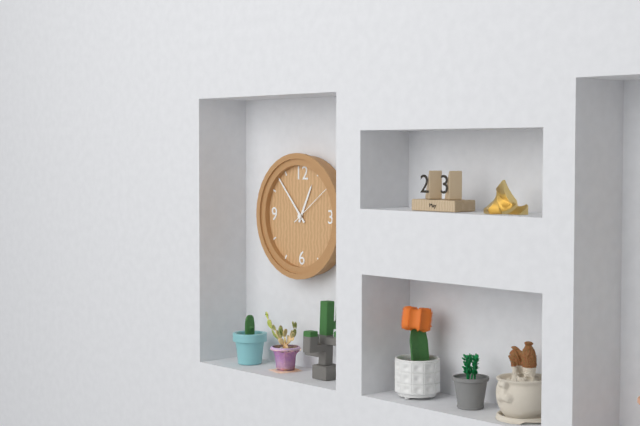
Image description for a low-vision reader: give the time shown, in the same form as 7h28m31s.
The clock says 12h53m09s
